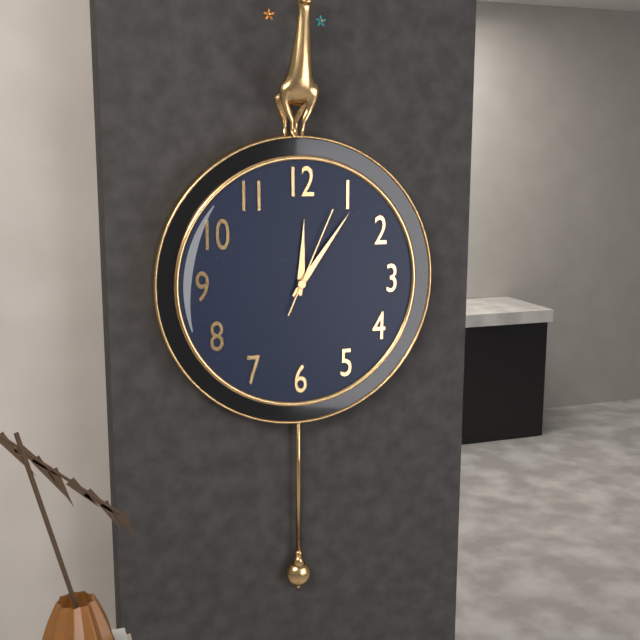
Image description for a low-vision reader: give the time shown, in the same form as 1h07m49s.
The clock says 12h06m04s
